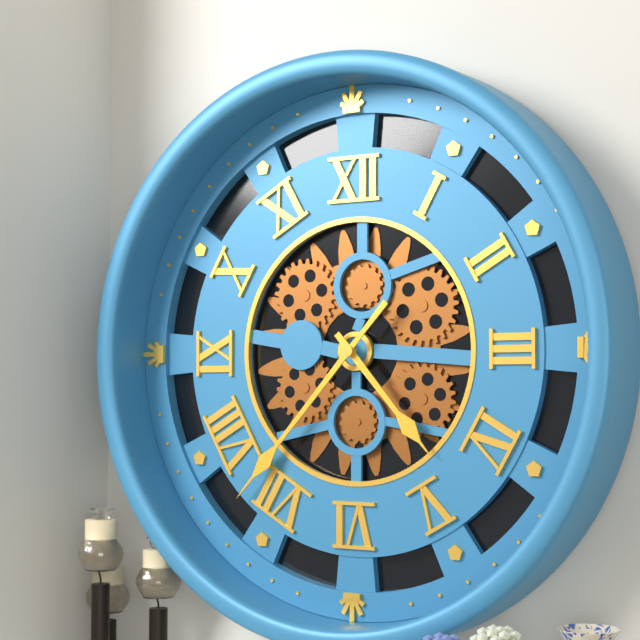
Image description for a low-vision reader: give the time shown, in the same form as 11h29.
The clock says 4h37
